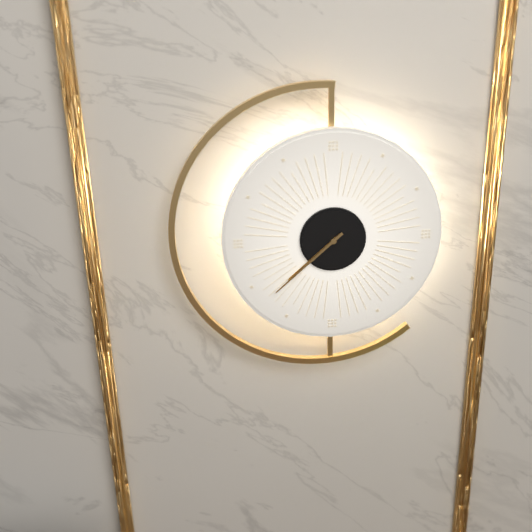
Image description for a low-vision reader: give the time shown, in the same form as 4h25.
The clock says 7h38
